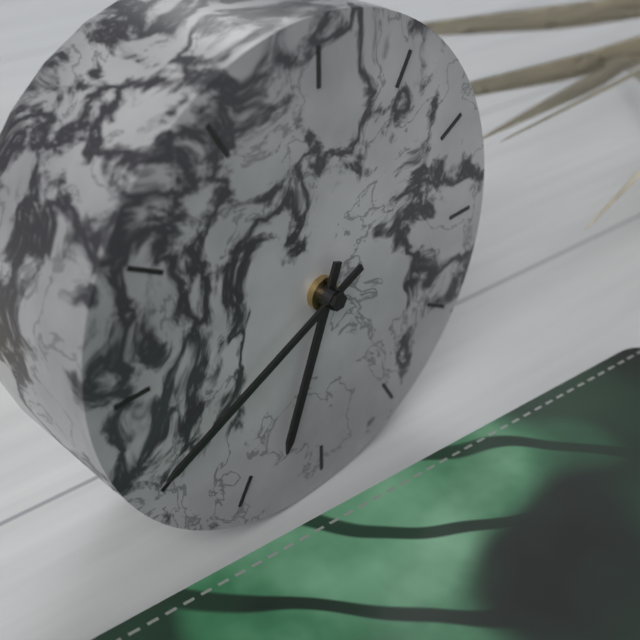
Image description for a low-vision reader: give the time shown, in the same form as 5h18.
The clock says 6h41
